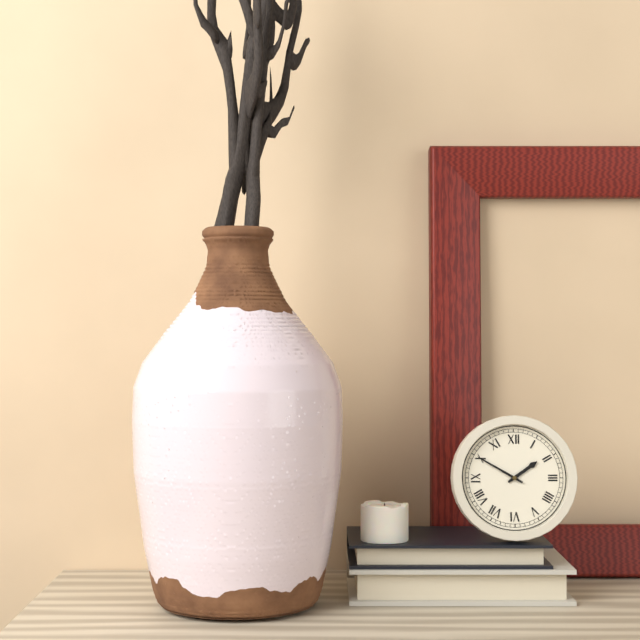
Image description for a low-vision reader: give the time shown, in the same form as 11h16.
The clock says 1h50
